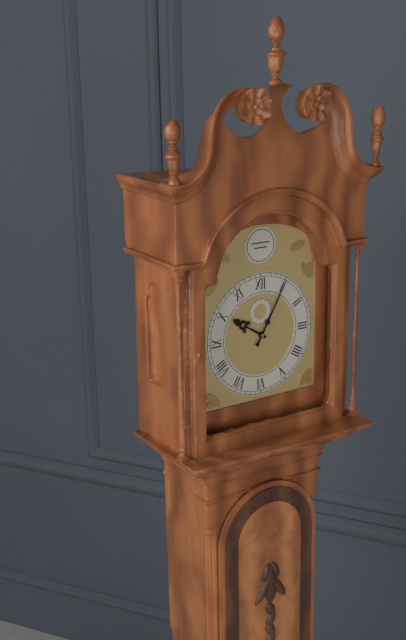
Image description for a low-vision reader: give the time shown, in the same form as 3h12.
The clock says 10h05
